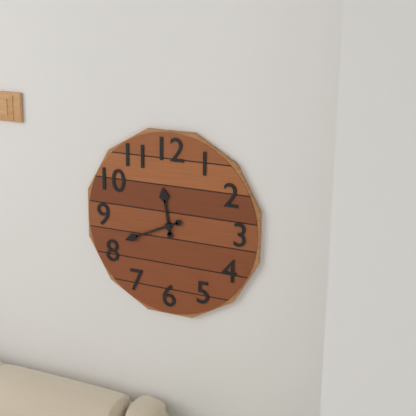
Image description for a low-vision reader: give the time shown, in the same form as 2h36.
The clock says 11h41
